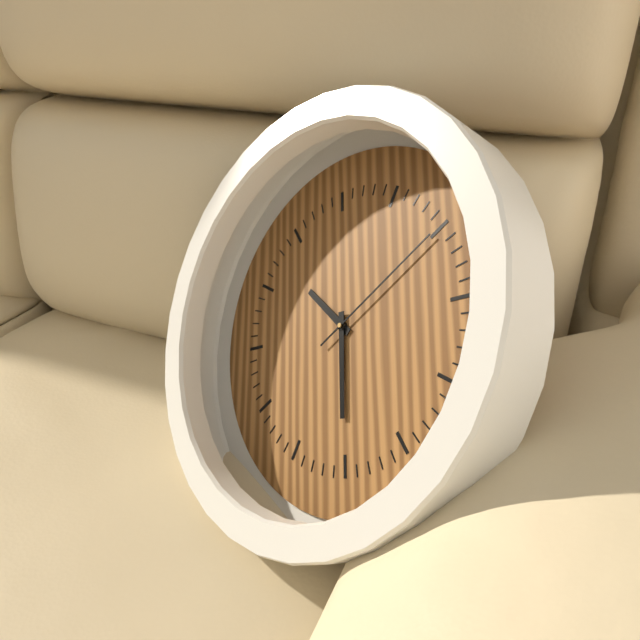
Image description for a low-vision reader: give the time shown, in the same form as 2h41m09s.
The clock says 10h30m10s
